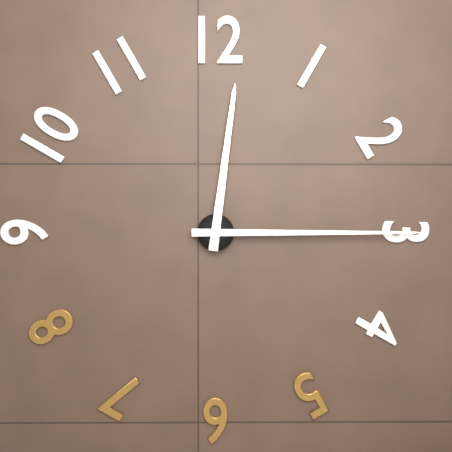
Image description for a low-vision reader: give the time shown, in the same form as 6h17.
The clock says 12h15
